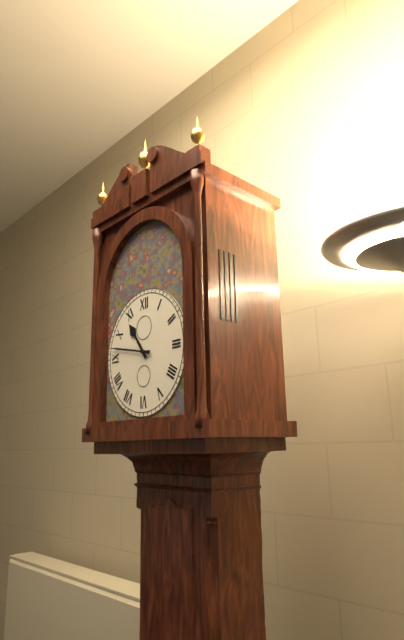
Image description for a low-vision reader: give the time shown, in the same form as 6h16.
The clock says 10h47
